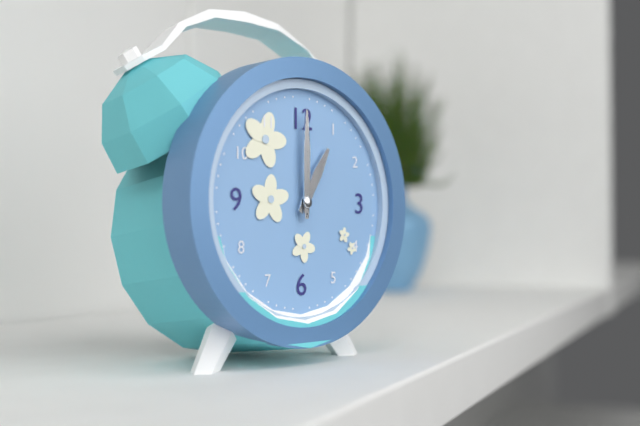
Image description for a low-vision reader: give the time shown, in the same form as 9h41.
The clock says 1h00
